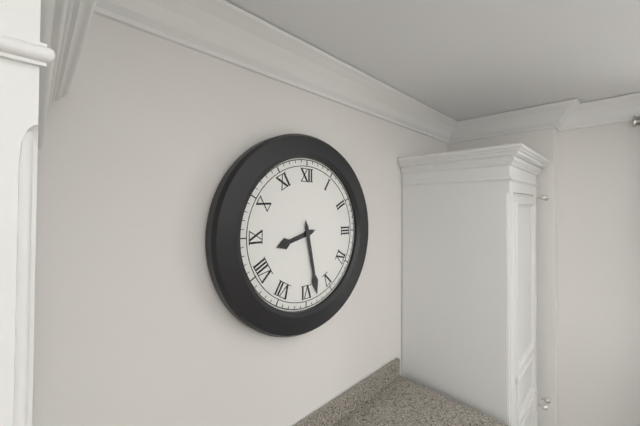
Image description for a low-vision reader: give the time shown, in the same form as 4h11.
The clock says 8h28
